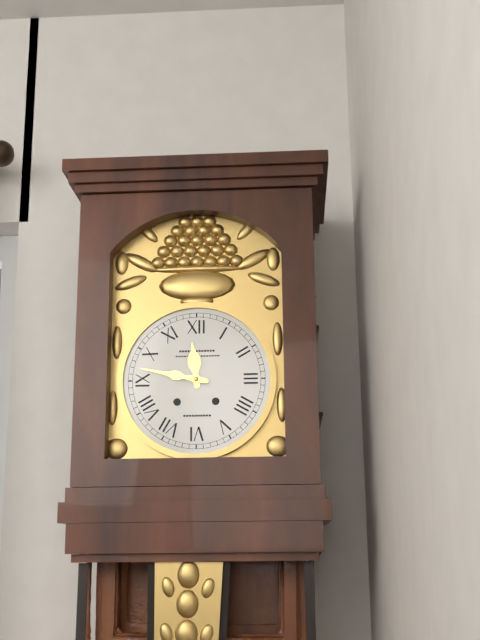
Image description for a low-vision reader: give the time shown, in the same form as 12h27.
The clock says 11h47
